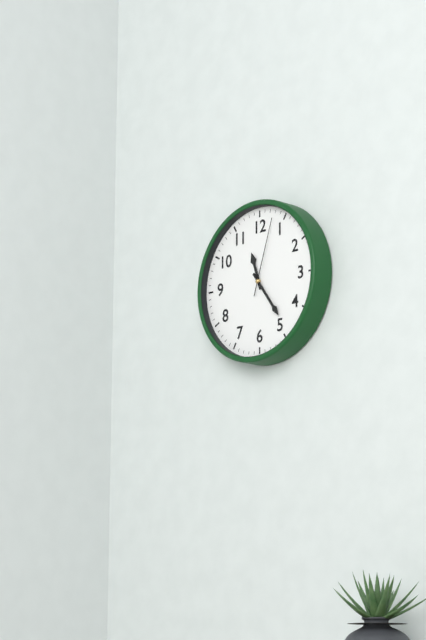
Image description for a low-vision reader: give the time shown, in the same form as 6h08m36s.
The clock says 11h24m03s
